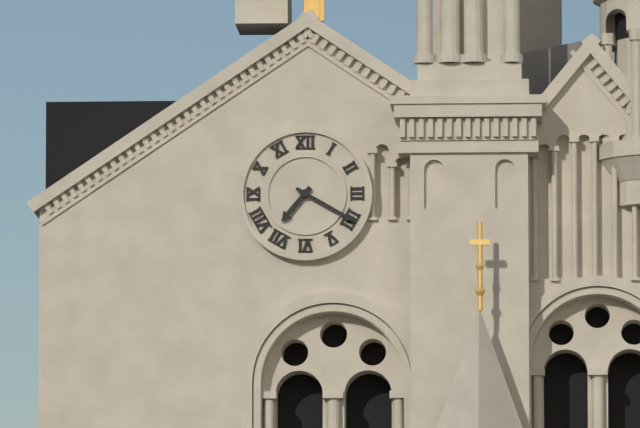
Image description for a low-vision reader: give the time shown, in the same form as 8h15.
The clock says 7h20
